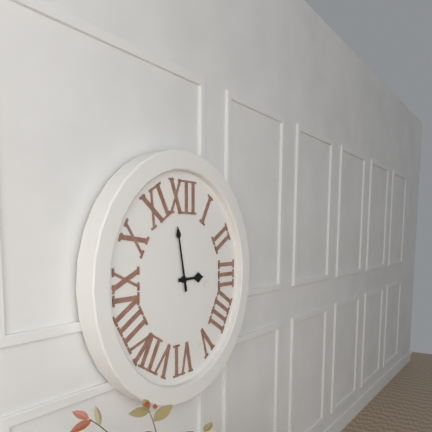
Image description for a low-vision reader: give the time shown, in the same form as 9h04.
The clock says 2h58
